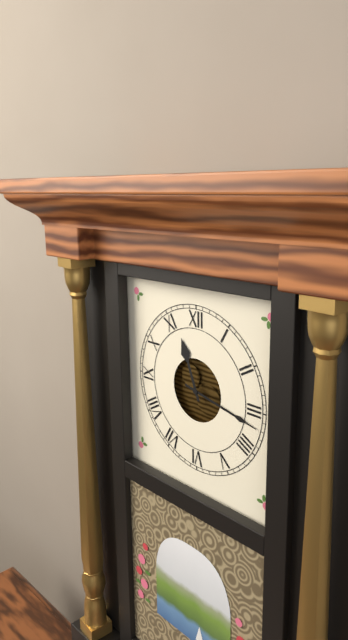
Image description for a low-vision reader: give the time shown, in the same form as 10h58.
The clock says 11h17
